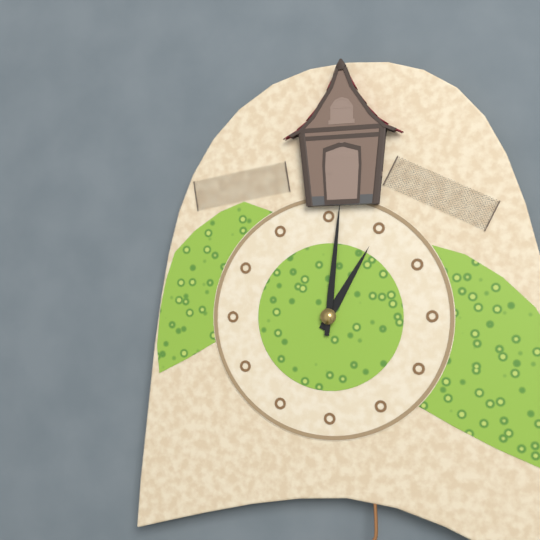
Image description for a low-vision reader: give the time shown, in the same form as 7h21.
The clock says 1h01
